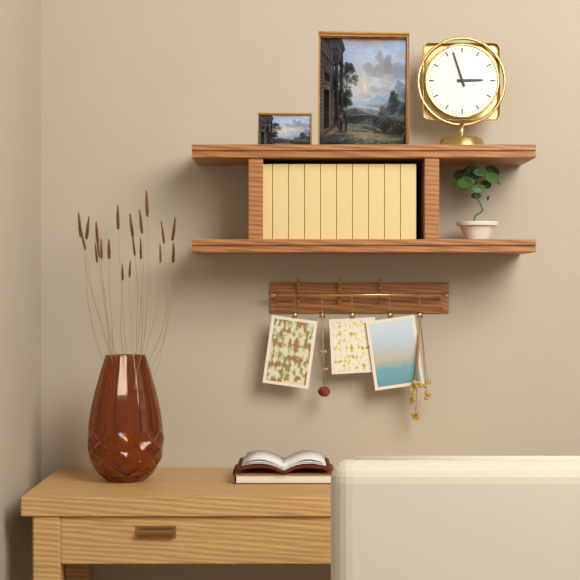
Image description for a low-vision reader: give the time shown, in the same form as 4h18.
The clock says 2h57
